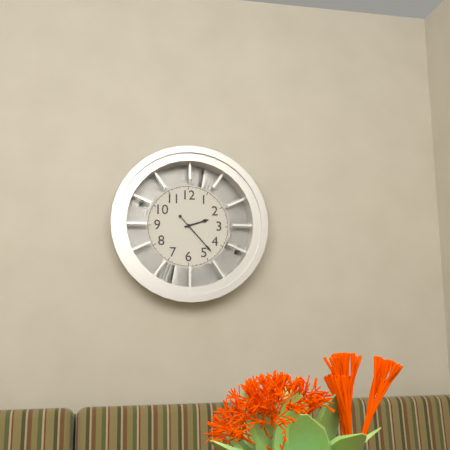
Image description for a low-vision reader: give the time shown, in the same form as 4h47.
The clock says 2h23
